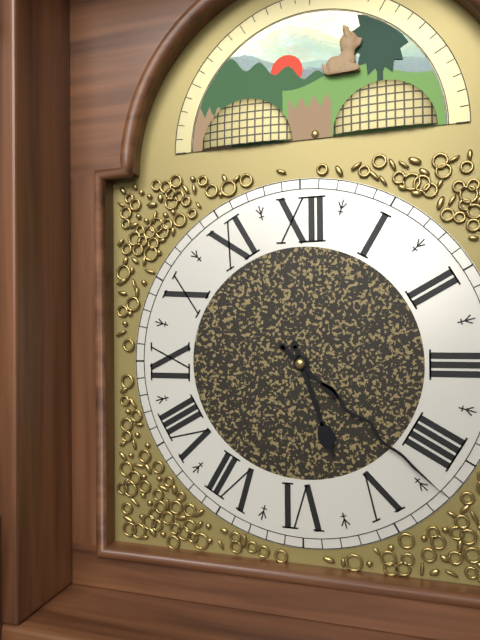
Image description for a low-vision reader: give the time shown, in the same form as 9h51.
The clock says 5h22
